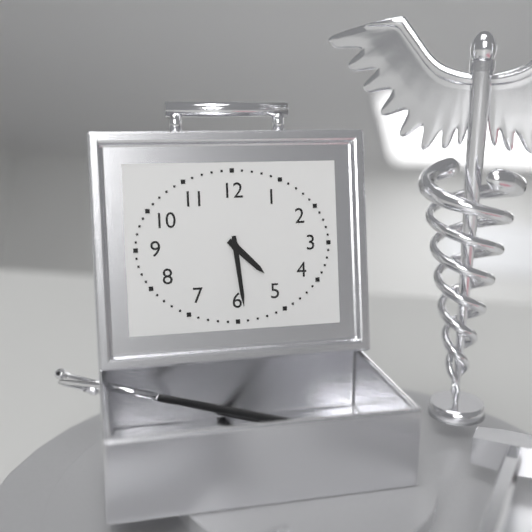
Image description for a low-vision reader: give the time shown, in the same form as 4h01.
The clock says 4h29
